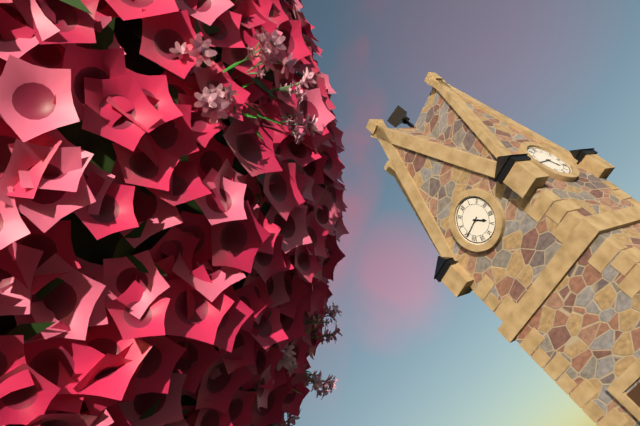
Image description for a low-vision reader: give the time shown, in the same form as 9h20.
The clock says 4h44
